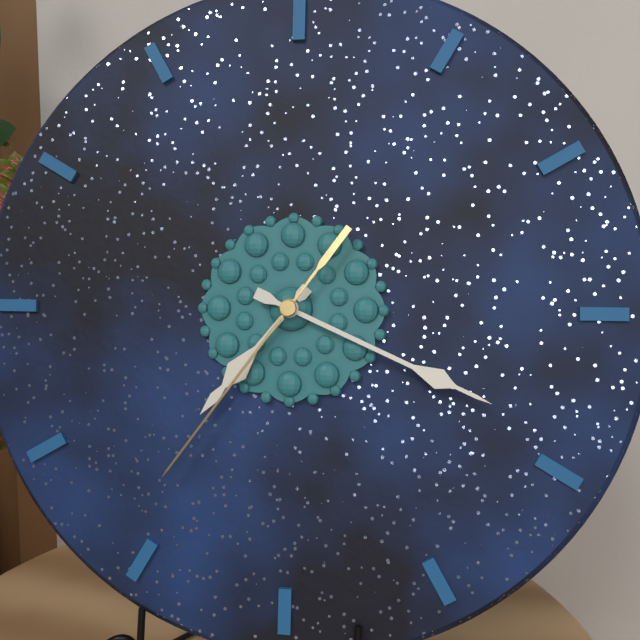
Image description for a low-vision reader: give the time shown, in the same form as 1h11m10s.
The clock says 7h19m36s
